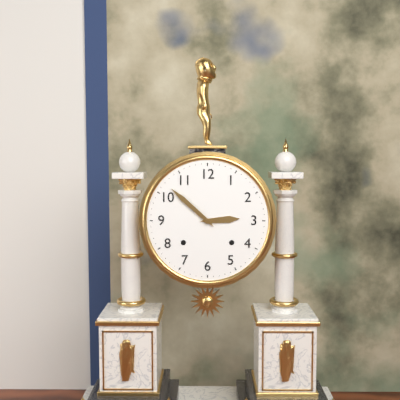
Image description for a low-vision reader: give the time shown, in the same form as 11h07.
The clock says 2h52
